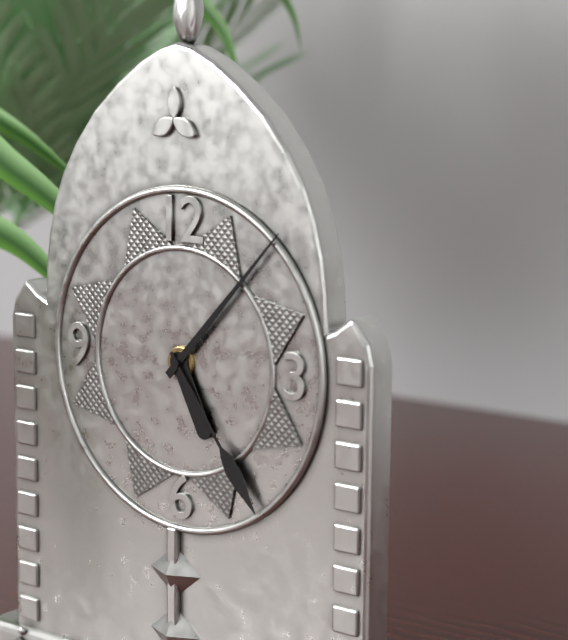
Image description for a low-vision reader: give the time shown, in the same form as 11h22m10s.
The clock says 5h07m24s
